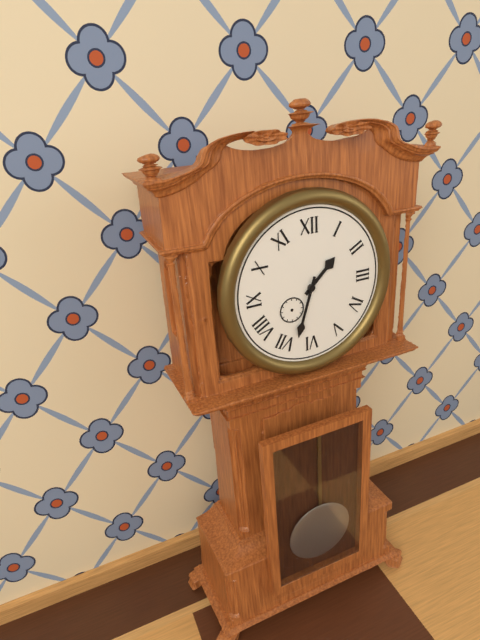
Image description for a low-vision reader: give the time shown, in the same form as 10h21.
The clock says 1h33
